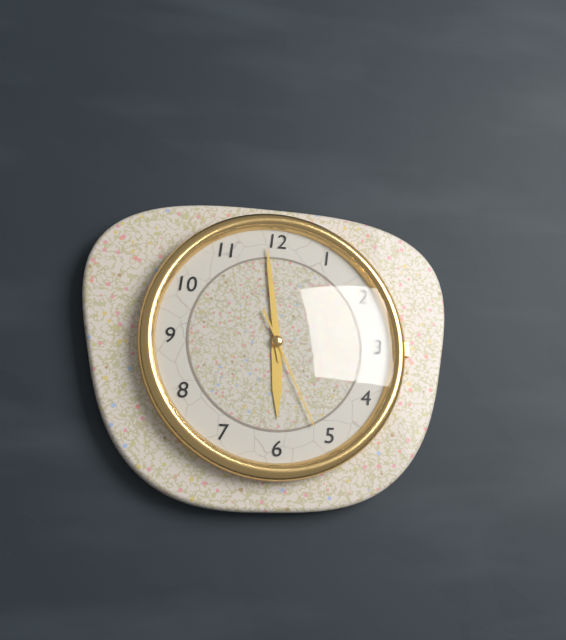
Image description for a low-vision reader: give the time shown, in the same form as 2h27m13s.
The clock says 5h59m26s
